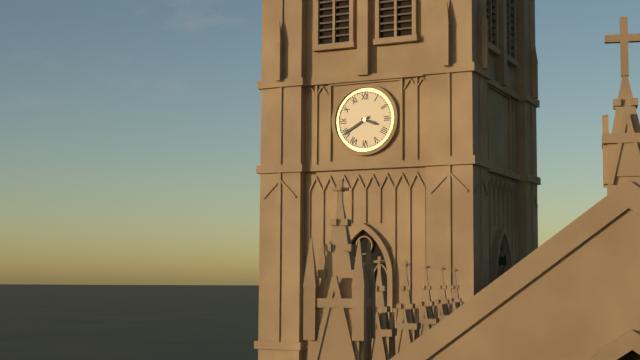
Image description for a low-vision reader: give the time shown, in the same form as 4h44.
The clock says 3h40
